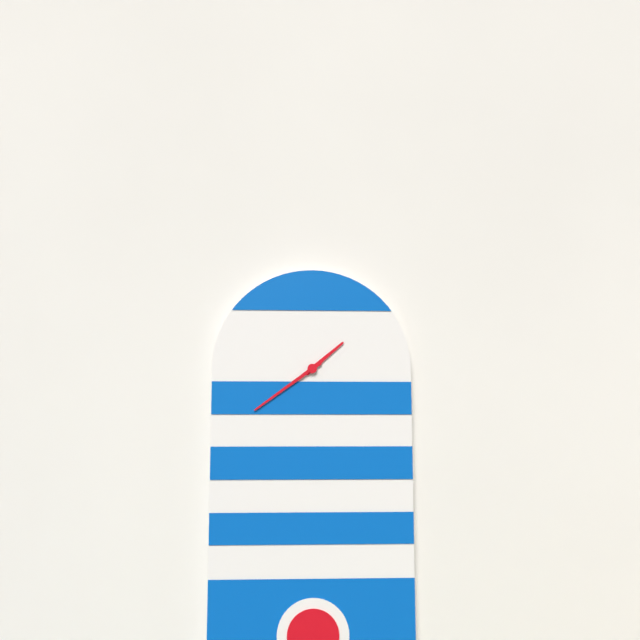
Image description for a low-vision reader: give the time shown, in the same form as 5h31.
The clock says 1h39
